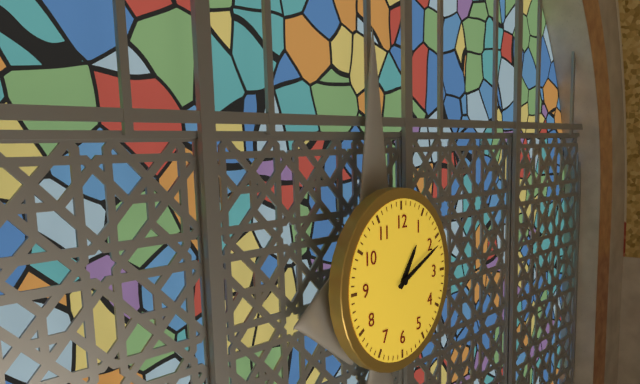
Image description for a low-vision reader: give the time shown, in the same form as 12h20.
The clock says 1h11
